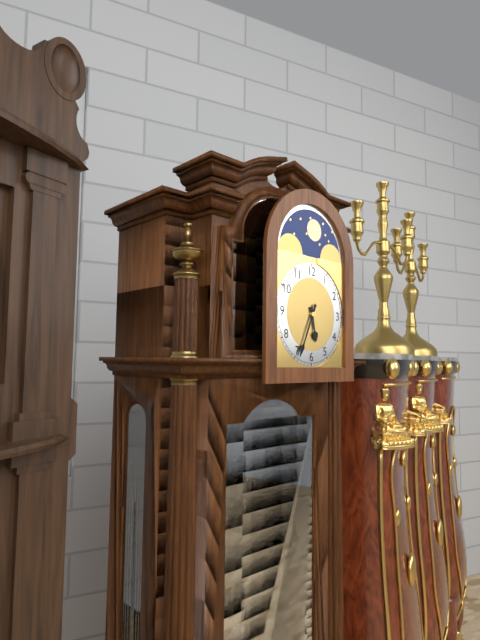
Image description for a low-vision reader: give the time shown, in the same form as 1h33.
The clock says 5h34
